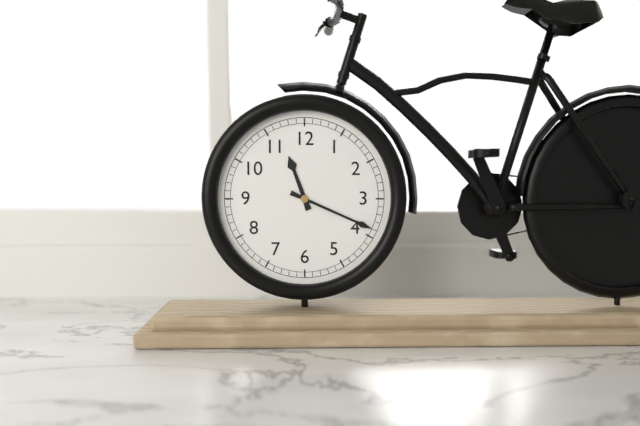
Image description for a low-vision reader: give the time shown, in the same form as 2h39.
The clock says 11h19
